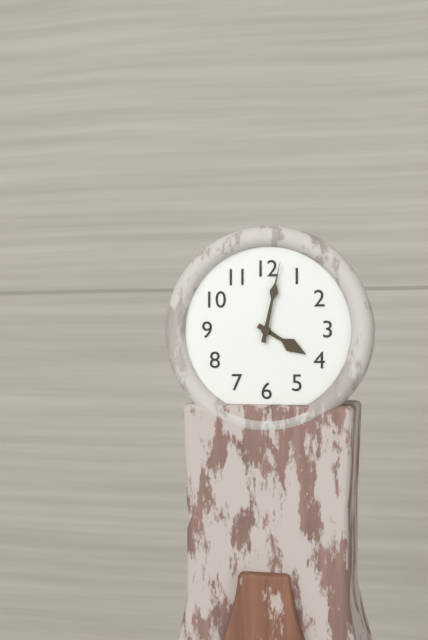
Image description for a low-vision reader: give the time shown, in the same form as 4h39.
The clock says 4h02
